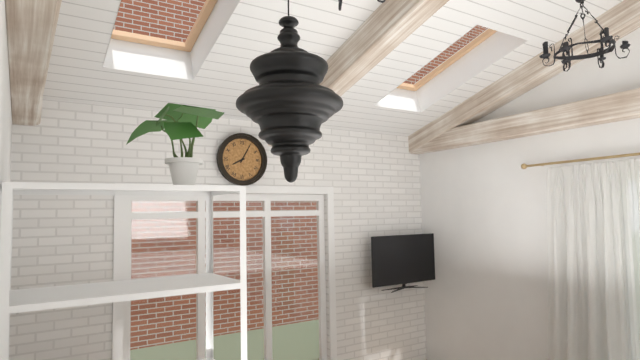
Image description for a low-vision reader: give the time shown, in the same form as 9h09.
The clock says 8h05
